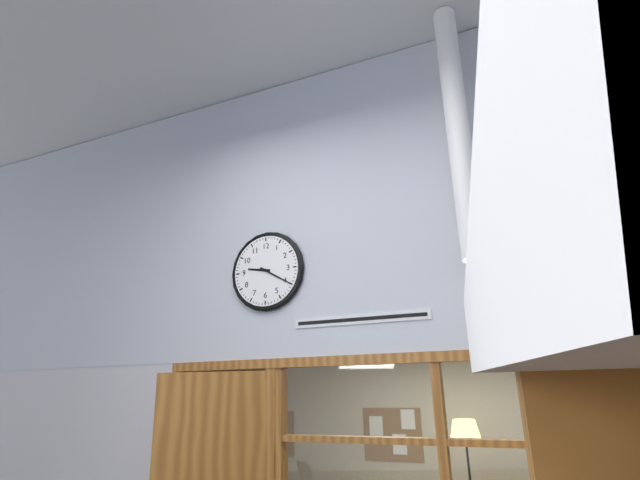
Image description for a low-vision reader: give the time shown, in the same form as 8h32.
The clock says 9h20
